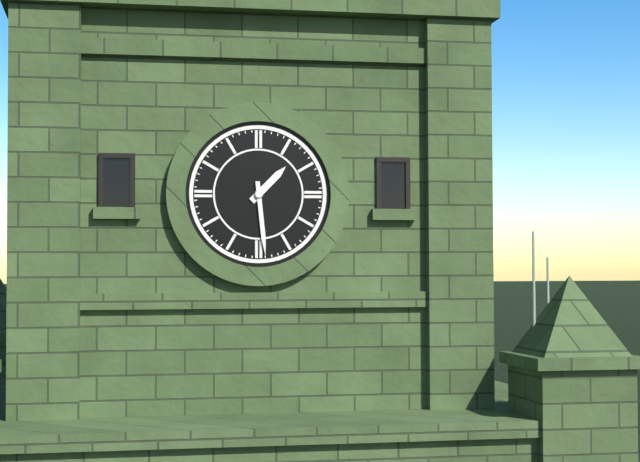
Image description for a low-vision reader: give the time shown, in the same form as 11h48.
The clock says 1h29
